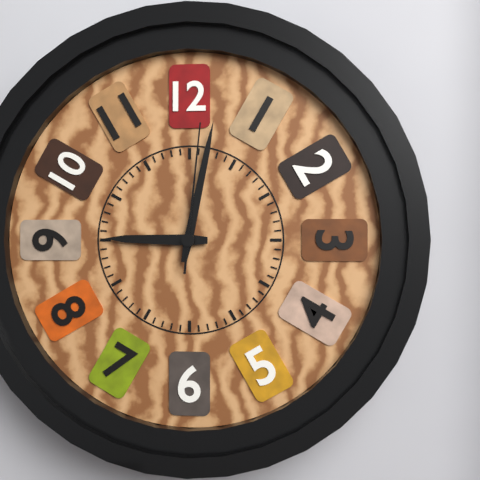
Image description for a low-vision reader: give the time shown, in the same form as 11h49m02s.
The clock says 9h02m01s
